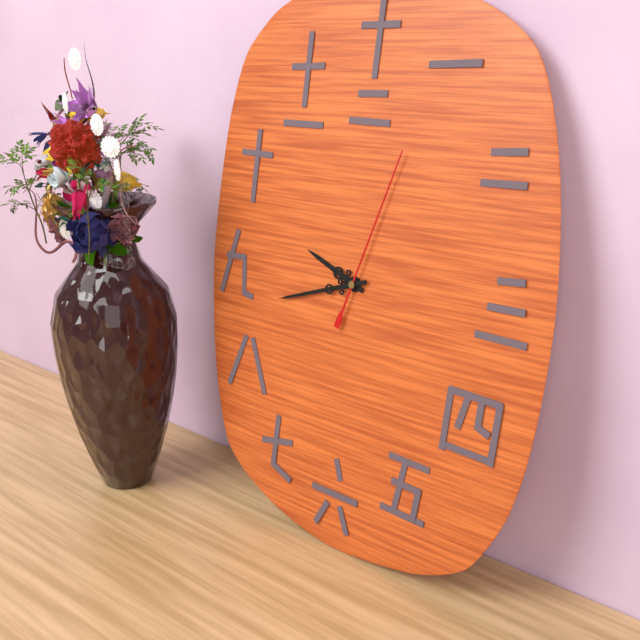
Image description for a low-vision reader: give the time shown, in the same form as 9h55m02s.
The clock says 9h42m03s
